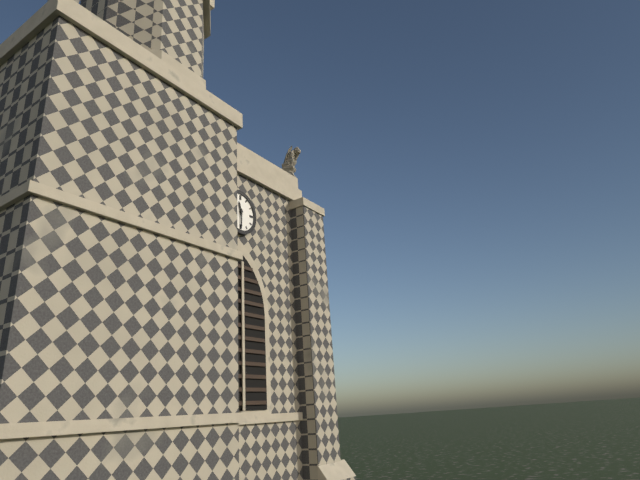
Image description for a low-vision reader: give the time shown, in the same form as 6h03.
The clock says 11h30
